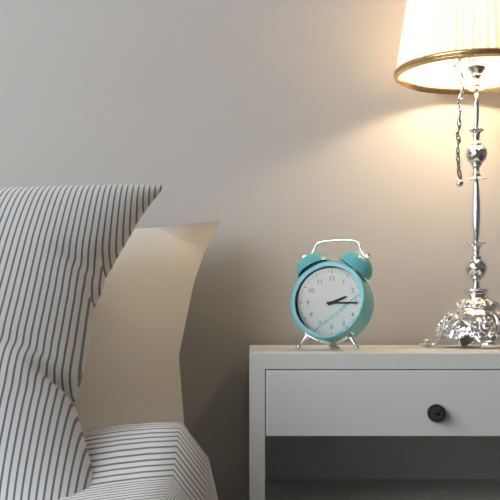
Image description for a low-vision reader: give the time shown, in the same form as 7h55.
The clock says 2h15
